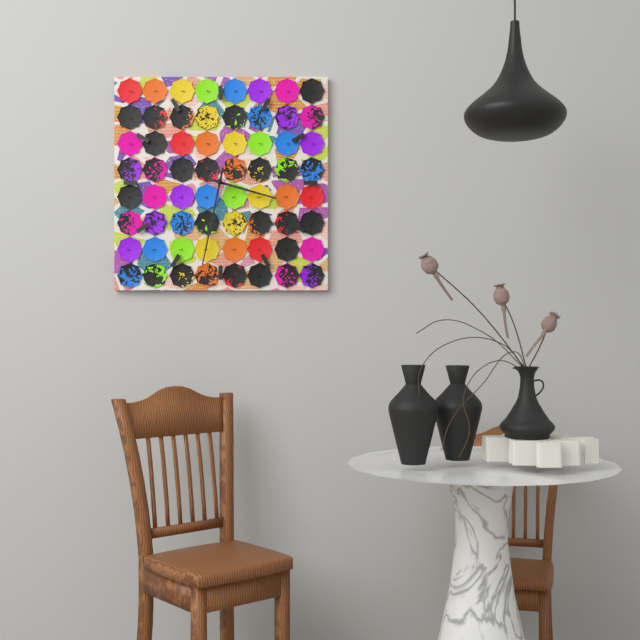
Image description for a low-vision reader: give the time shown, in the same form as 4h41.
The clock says 3h32
